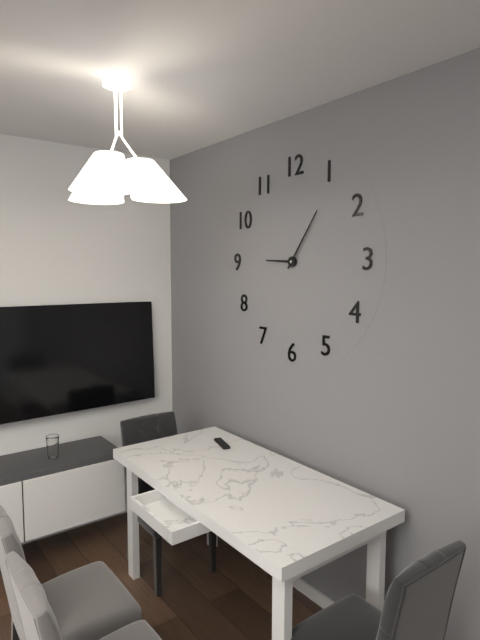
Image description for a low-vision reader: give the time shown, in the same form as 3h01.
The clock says 9h06
